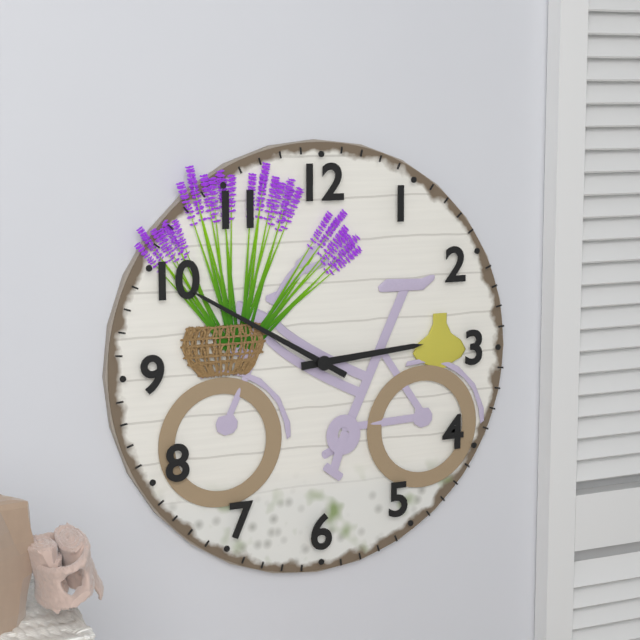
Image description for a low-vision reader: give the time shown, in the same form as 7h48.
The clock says 2h50
